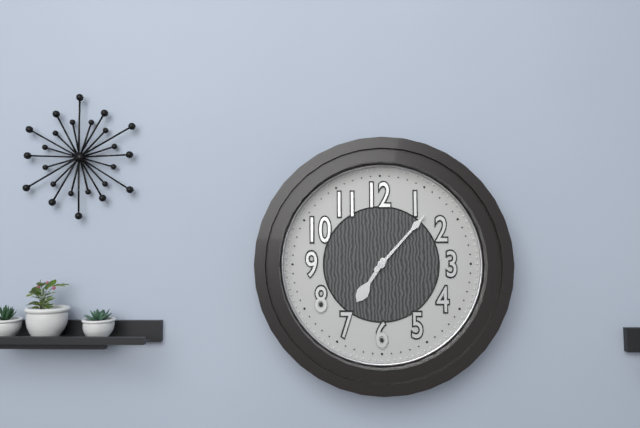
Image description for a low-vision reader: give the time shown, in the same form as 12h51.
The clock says 7h07
